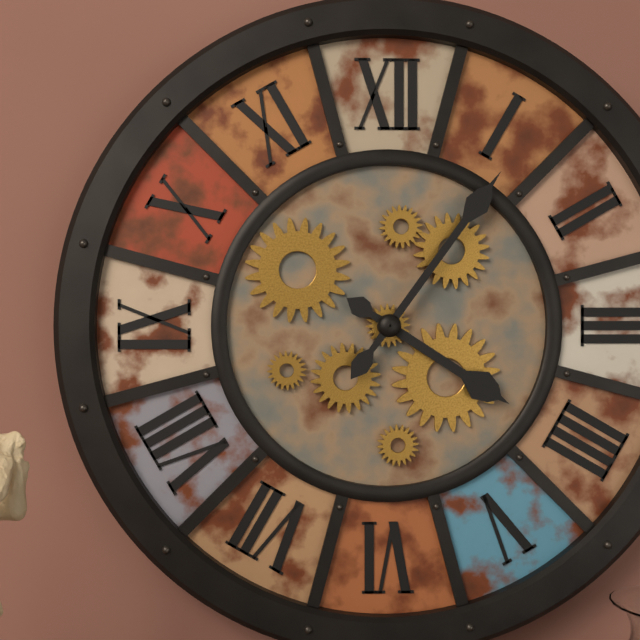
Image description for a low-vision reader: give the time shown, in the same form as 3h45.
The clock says 4h06
